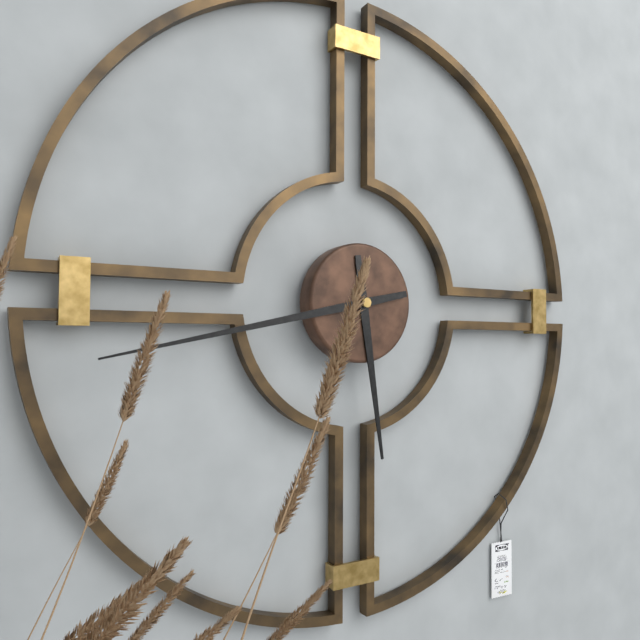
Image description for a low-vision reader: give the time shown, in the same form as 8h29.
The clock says 5h43
